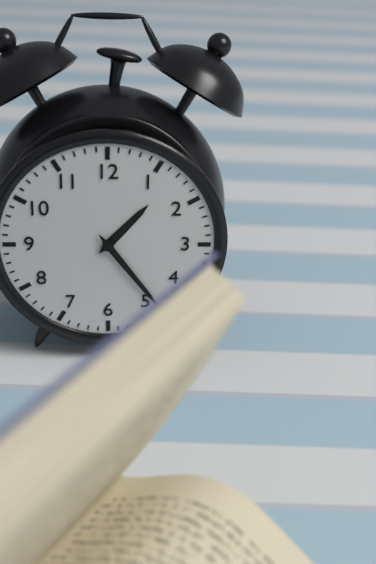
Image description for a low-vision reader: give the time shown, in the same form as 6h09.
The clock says 1h24
